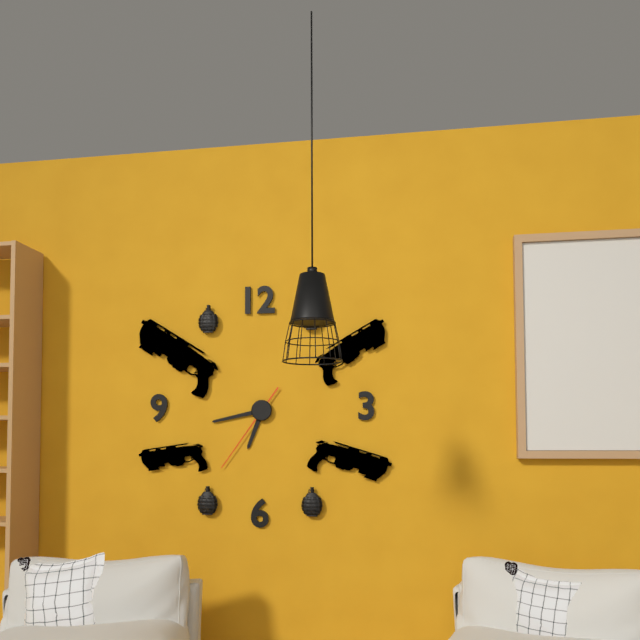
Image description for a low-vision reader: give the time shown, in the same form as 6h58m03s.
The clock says 6h43m36s
